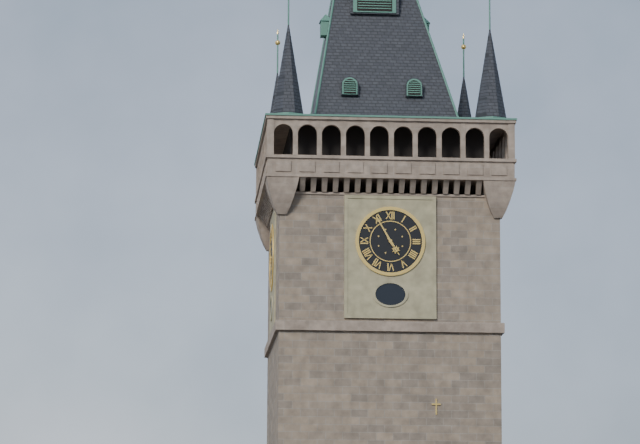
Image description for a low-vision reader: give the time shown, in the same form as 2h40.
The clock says 4h55
